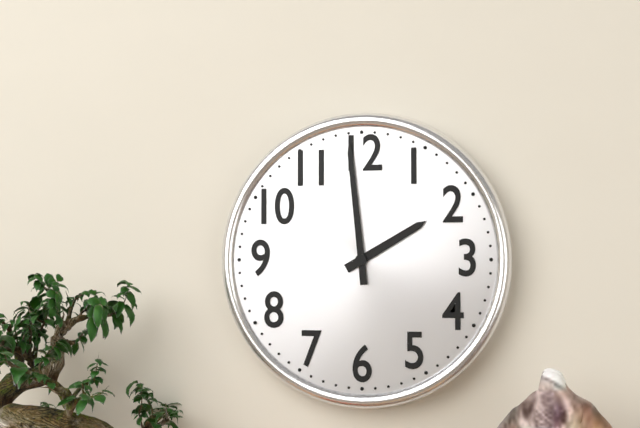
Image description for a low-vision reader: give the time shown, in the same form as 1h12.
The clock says 1h59
